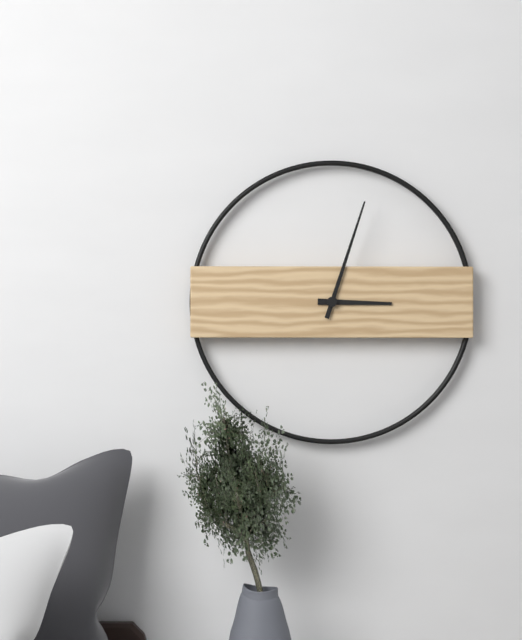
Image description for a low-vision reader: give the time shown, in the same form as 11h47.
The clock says 3h03
